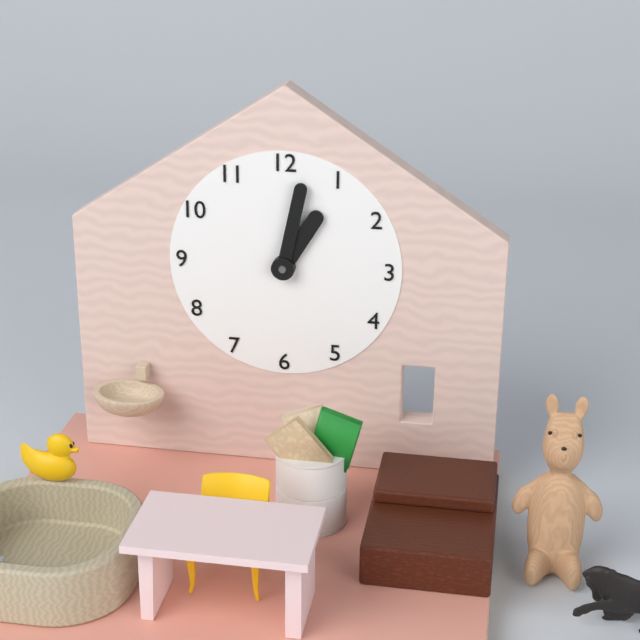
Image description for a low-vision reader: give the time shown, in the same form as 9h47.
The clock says 1h02
